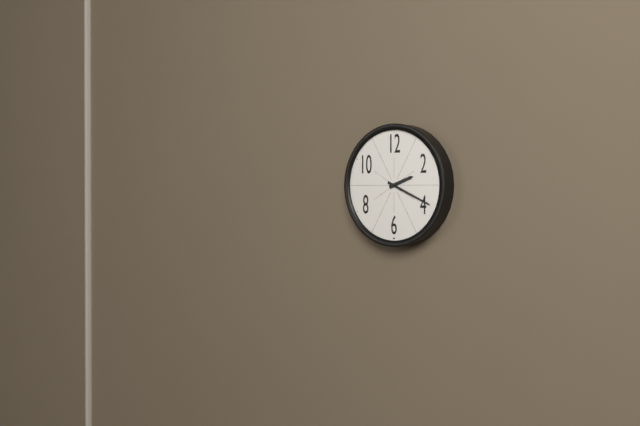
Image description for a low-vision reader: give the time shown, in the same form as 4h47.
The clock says 2h19
